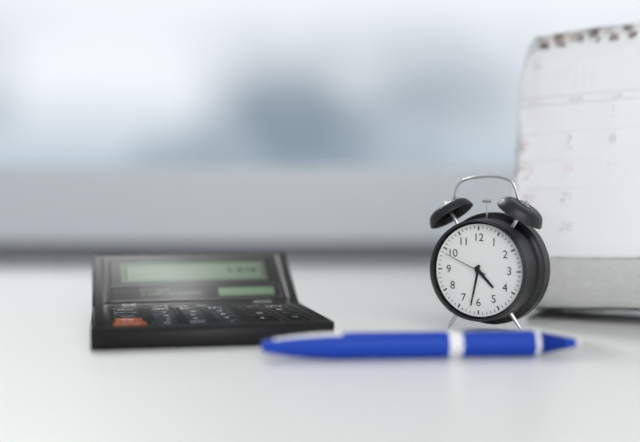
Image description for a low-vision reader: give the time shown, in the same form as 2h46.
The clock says 4h32
